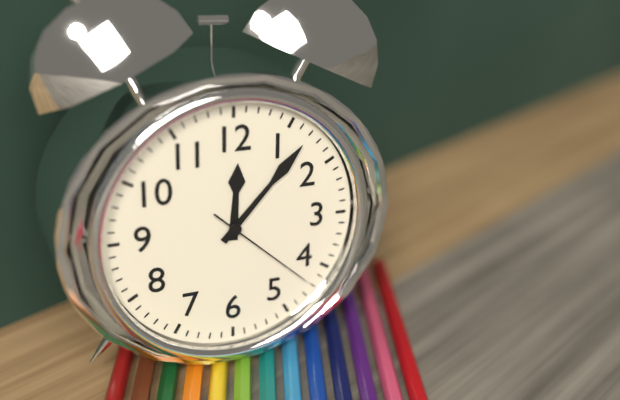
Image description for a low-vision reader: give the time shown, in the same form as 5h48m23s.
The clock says 12h07m22s
